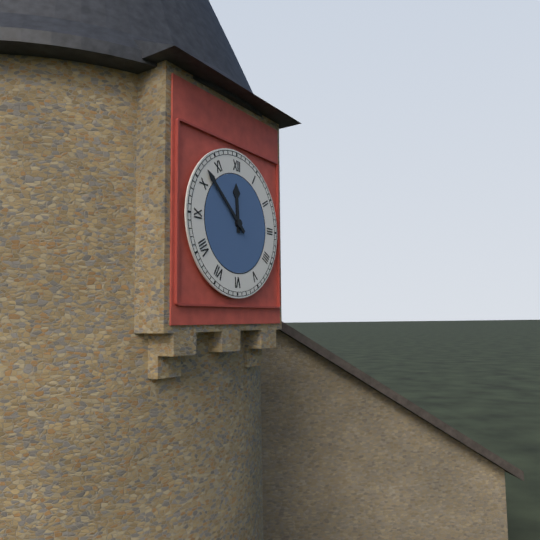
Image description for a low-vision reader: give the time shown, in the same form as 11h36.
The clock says 11h52
